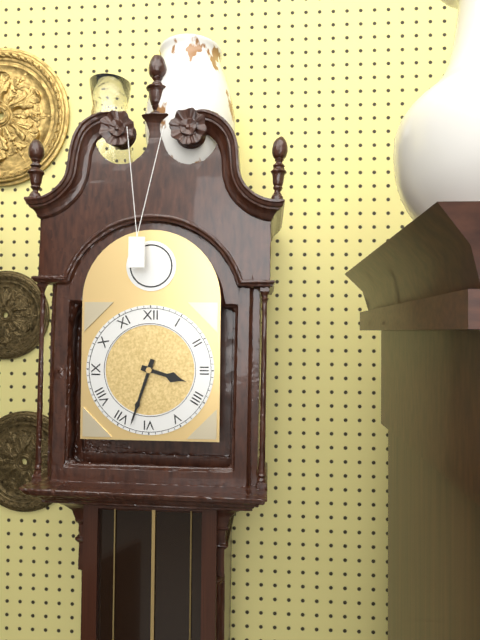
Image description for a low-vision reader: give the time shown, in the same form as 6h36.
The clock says 3h33
